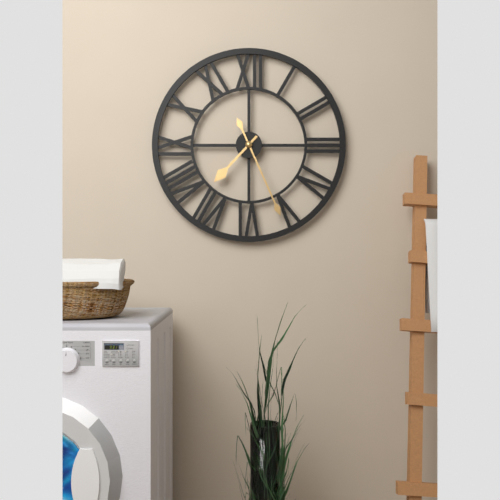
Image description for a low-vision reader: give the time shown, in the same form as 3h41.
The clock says 7h26
